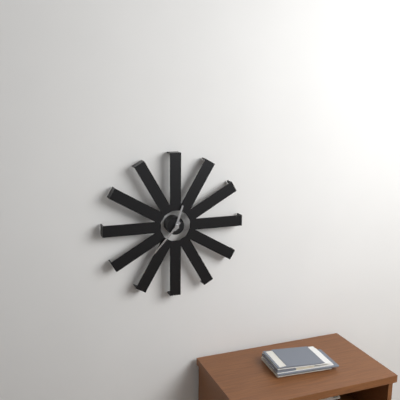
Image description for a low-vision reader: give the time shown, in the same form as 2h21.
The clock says 12h37
